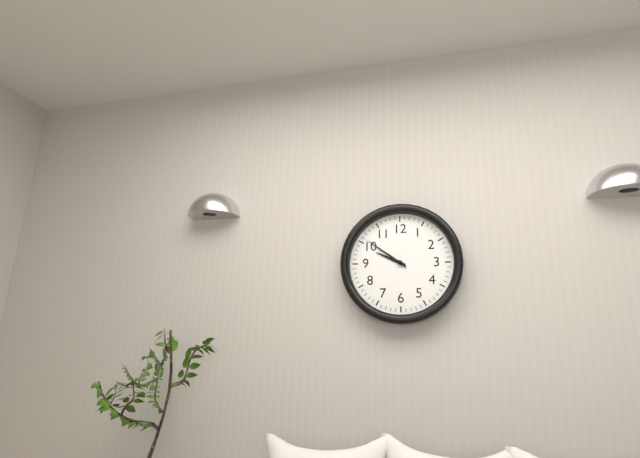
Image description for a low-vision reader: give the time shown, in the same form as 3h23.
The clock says 9h51
